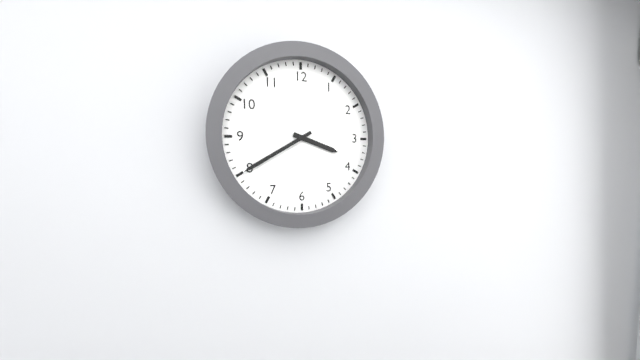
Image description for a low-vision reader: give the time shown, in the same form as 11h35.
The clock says 3h40
